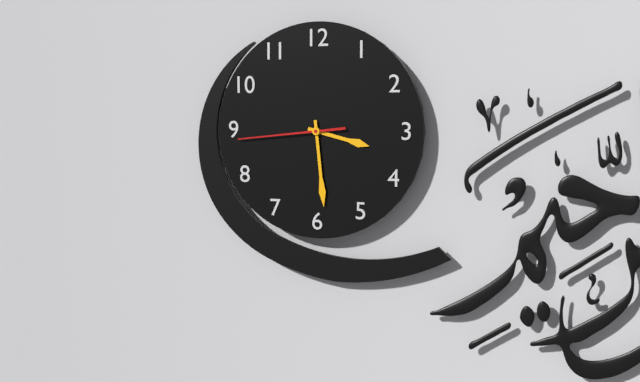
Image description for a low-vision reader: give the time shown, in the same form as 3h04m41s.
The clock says 3h29m44s
